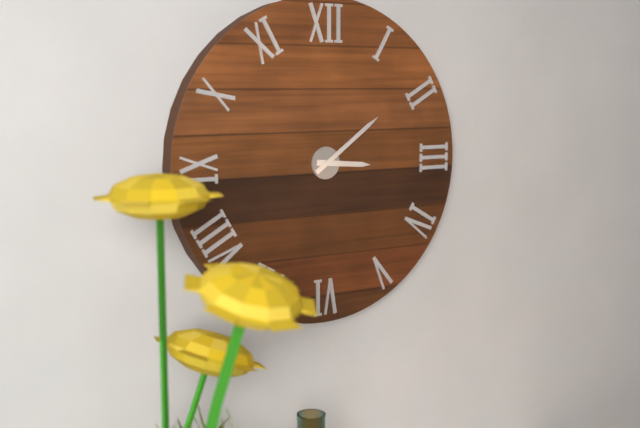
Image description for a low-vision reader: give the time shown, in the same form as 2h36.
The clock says 3h09
